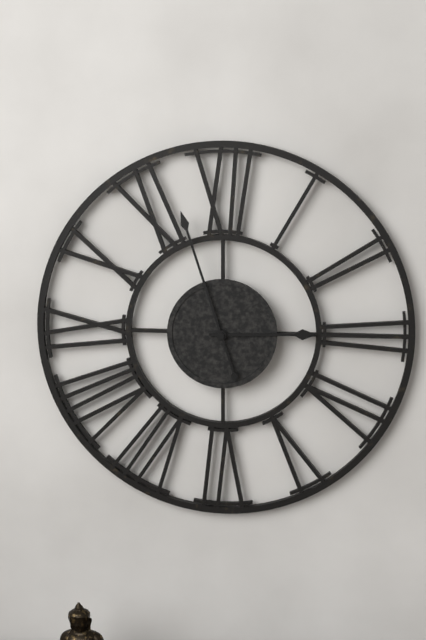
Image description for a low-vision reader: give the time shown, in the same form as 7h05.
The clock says 2h57
